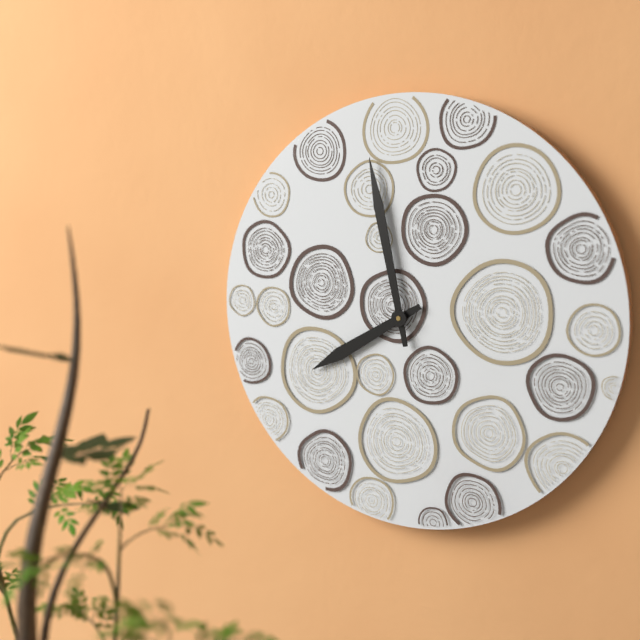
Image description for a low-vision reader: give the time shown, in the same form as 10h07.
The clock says 7h58
